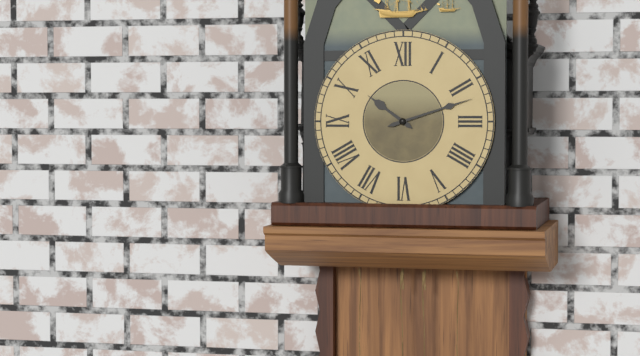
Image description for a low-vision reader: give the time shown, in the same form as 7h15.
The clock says 10h12
